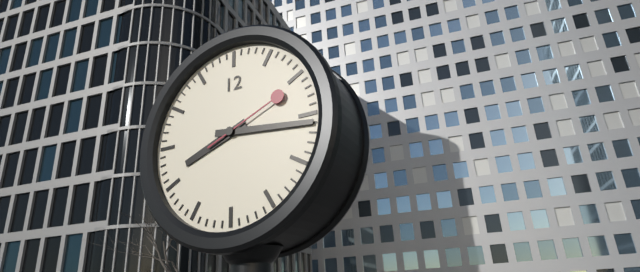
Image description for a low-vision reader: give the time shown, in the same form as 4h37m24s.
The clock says 8h16m11s
